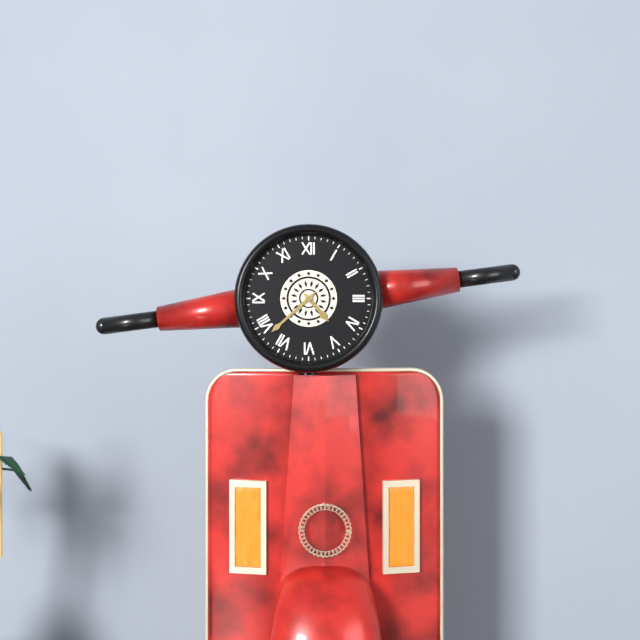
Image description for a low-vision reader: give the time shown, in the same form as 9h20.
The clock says 4h38
